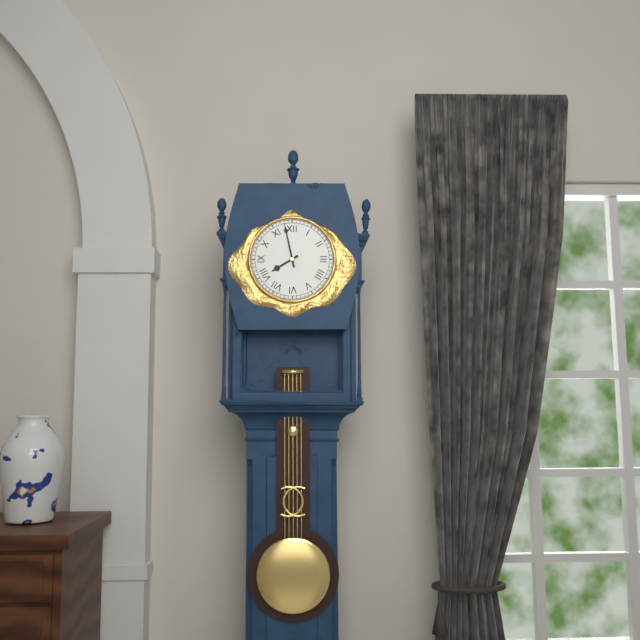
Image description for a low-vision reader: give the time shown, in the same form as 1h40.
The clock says 7h58
